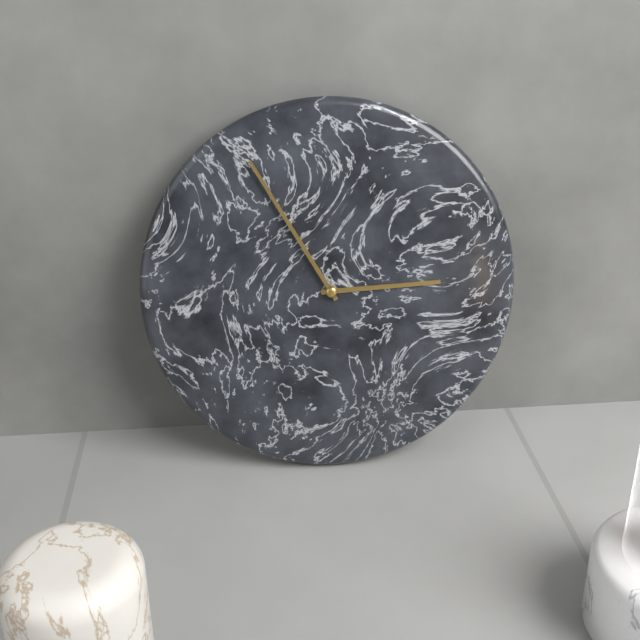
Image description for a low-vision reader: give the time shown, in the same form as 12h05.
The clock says 2h55
